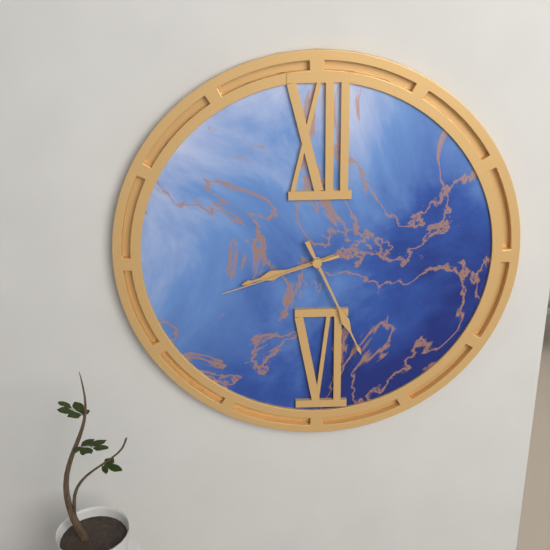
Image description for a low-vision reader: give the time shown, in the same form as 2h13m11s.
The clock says 8h26m42s
